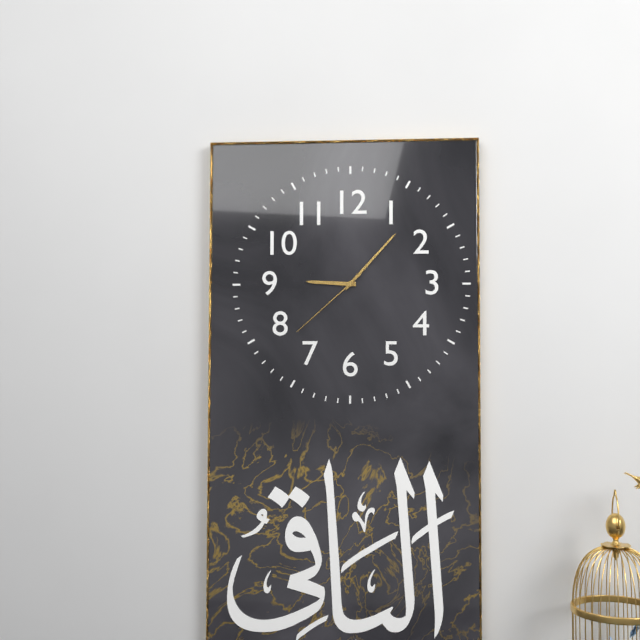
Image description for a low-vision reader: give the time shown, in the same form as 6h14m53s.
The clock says 9h07m38s
